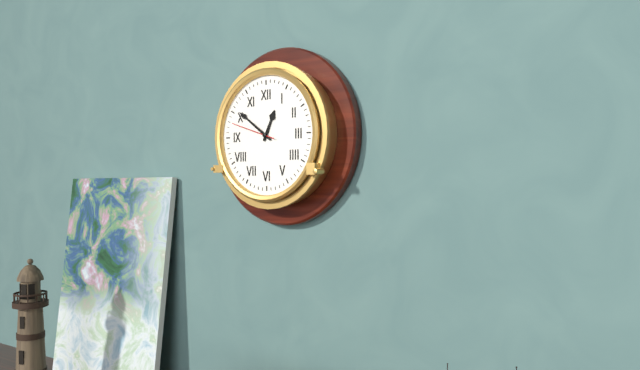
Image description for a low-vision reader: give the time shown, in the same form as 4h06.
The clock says 12h51
